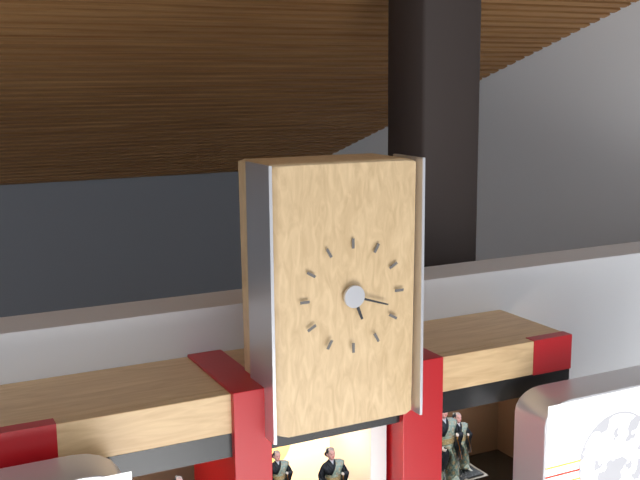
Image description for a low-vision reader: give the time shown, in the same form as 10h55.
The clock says 5h18
